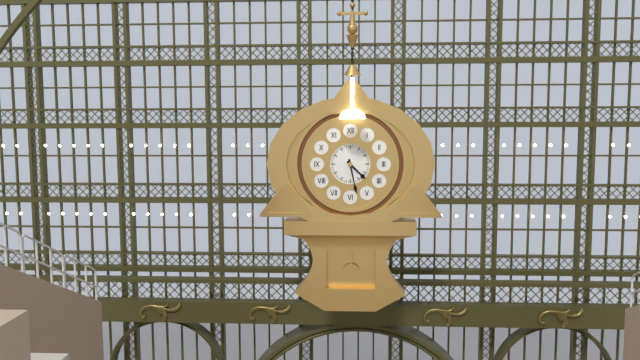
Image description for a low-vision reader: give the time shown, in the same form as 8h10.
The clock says 4h28
